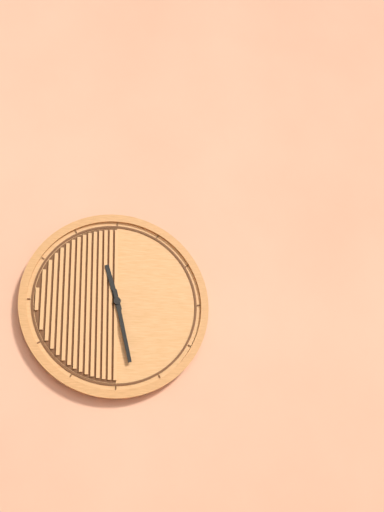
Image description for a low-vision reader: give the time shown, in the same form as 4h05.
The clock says 11h28
